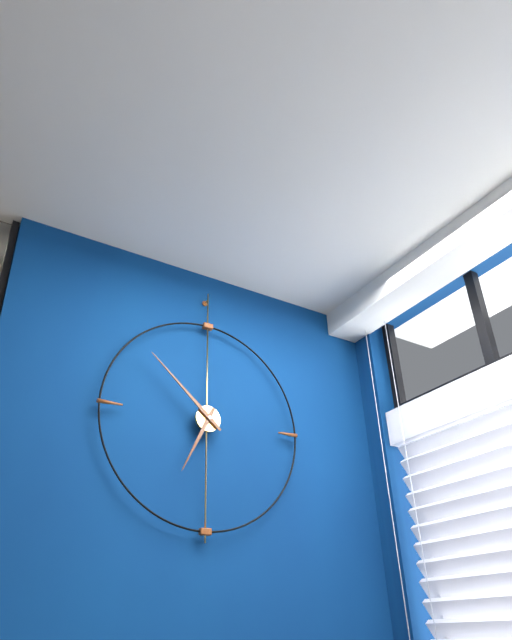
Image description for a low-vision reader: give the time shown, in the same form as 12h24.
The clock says 6h52
